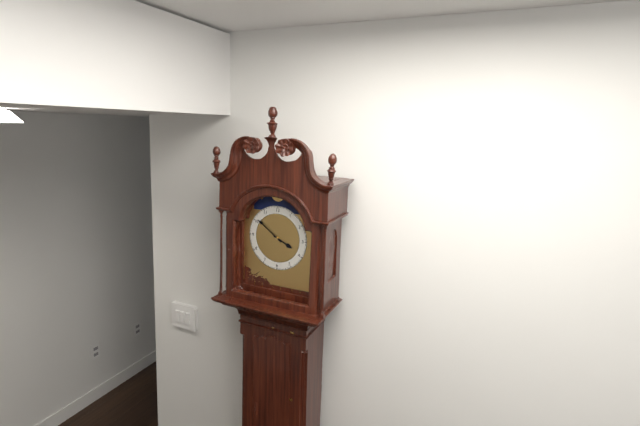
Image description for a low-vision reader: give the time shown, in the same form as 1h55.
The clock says 3h51
